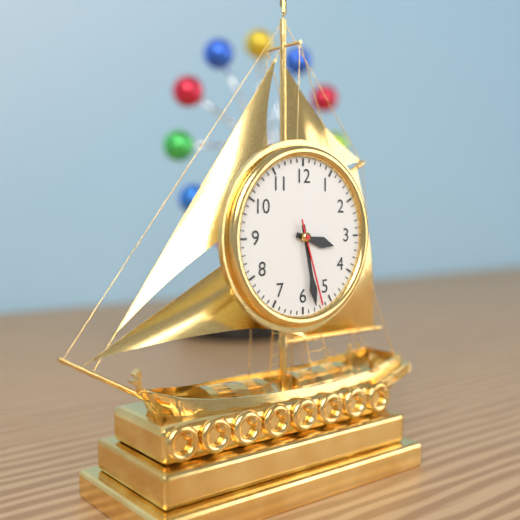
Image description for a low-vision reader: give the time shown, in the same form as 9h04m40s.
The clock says 3h28m27s
